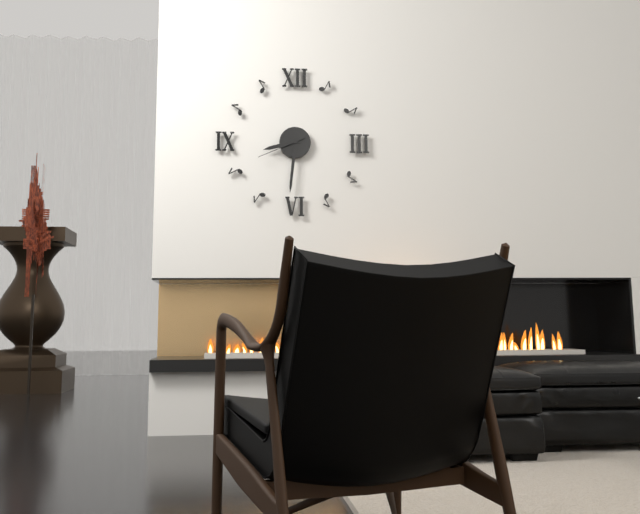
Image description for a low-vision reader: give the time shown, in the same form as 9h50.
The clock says 8h31
